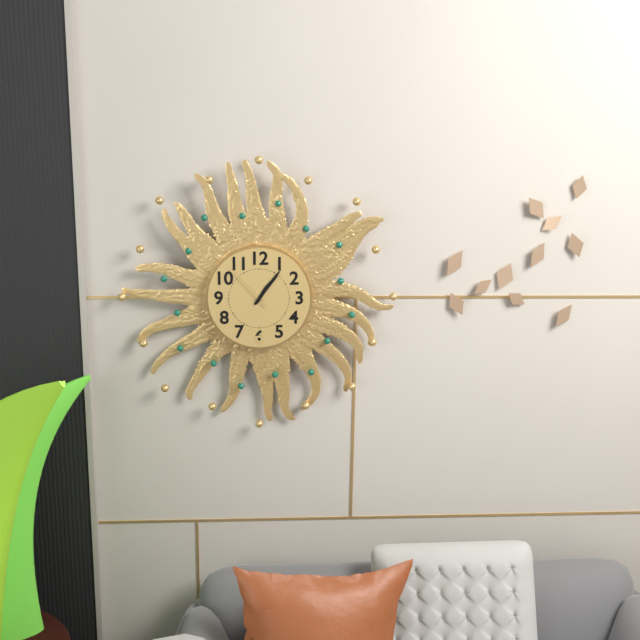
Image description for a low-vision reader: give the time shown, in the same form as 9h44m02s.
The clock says 1h06m53s
